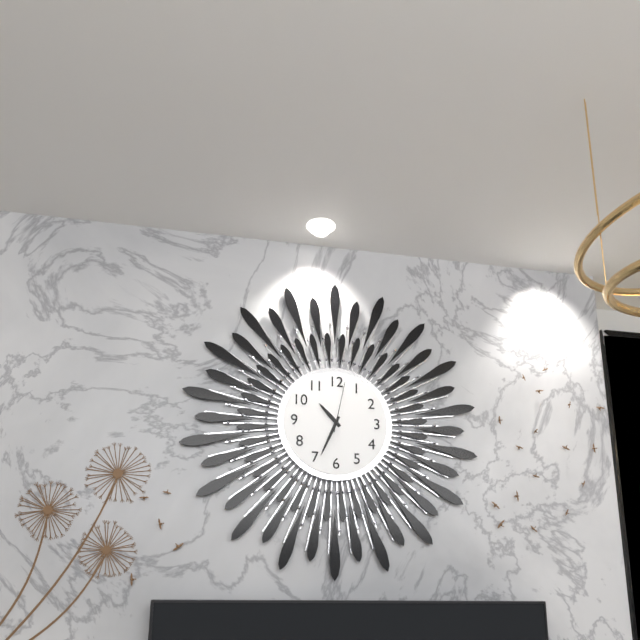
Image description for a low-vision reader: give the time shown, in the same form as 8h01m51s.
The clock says 10h34m02s
